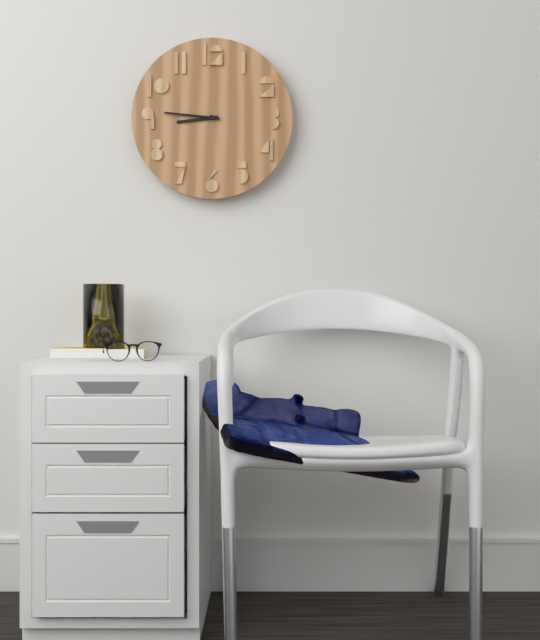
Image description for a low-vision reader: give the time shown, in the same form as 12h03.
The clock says 8h46
